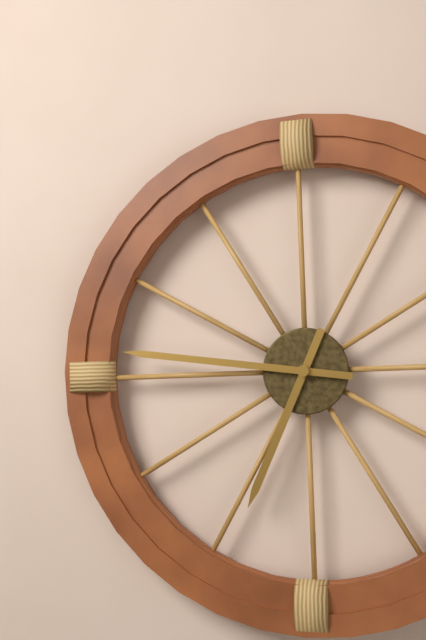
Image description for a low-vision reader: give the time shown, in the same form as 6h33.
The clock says 6h46
